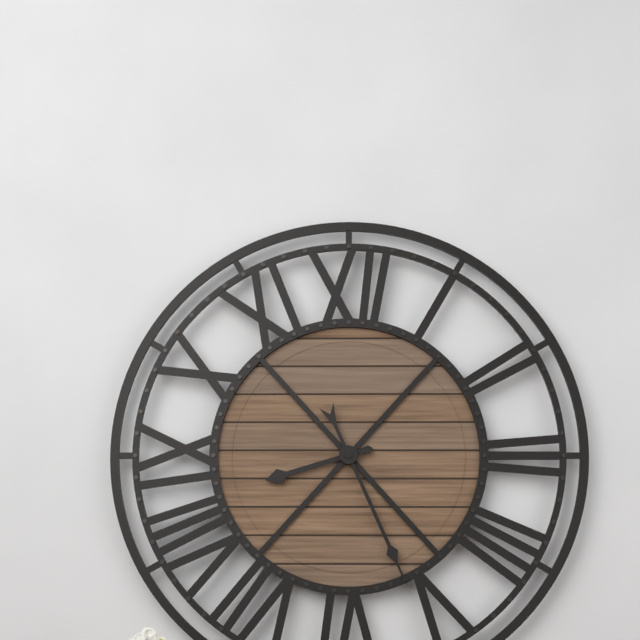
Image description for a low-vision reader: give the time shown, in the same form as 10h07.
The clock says 8h26
